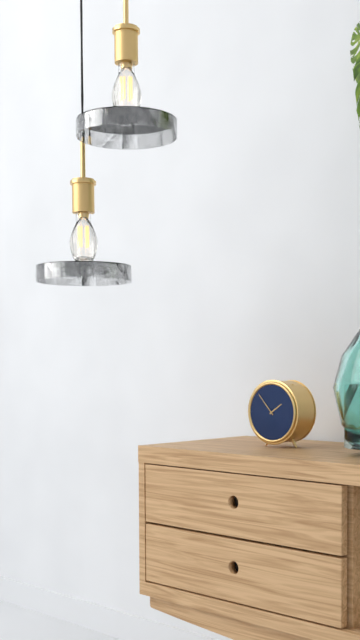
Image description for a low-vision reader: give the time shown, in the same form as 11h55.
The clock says 1h53
